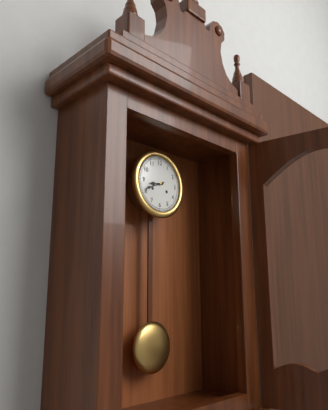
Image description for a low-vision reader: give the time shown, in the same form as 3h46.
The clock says 8h41
